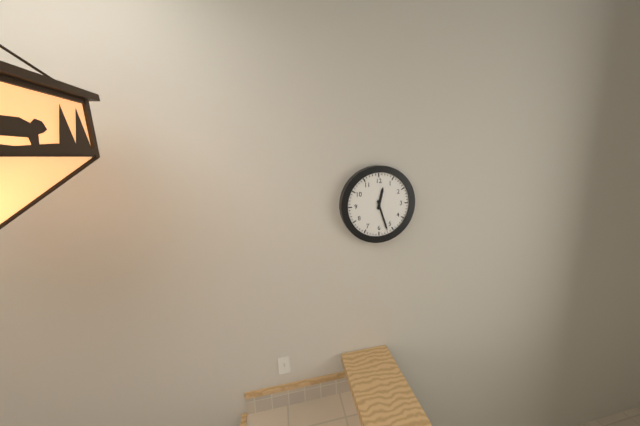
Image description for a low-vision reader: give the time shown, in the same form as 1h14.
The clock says 12h27
